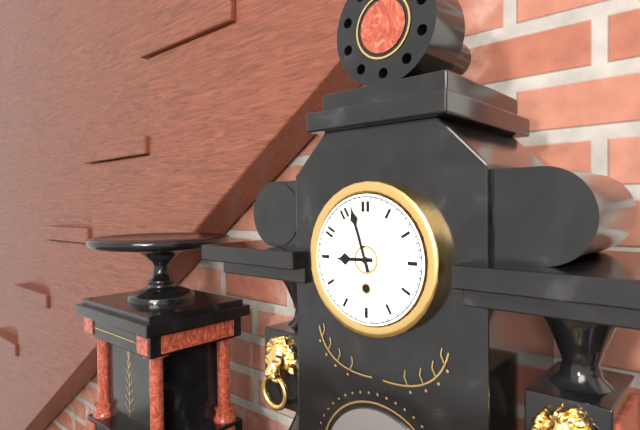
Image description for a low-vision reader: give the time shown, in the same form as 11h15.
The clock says 8h57
